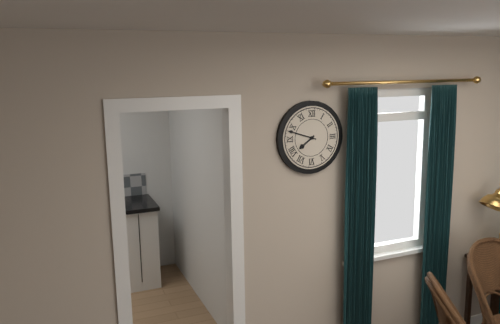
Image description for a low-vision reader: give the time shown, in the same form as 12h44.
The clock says 7h48
